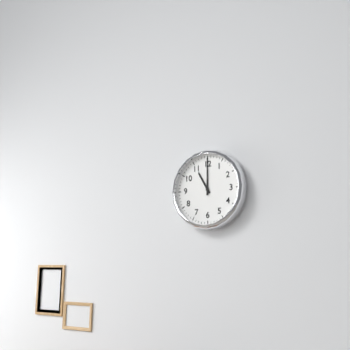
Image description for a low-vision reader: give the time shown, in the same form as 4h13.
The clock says 11h00
